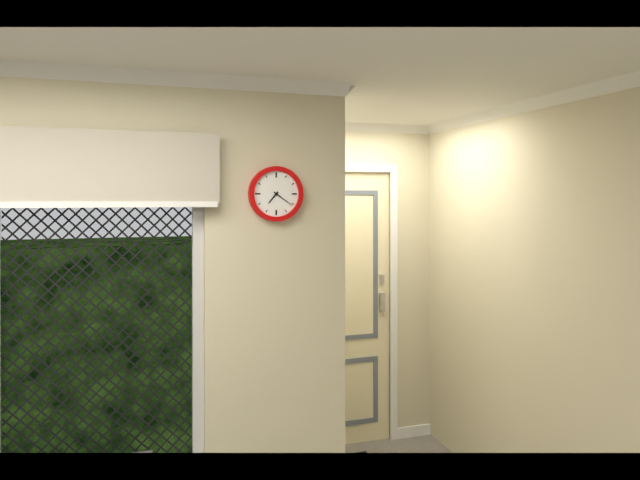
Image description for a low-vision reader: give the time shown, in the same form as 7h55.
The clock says 7h21
